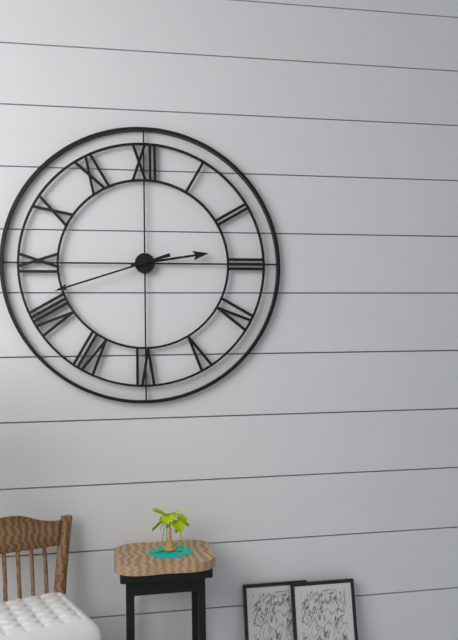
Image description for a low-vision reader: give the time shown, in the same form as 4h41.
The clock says 2h42
